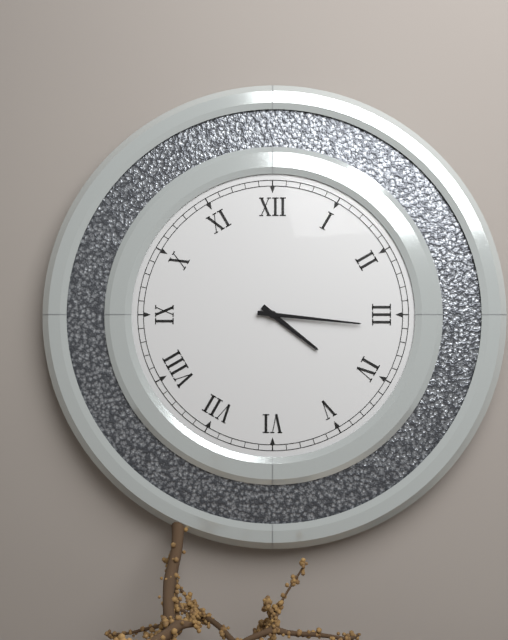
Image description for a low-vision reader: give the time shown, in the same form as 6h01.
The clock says 4h16
